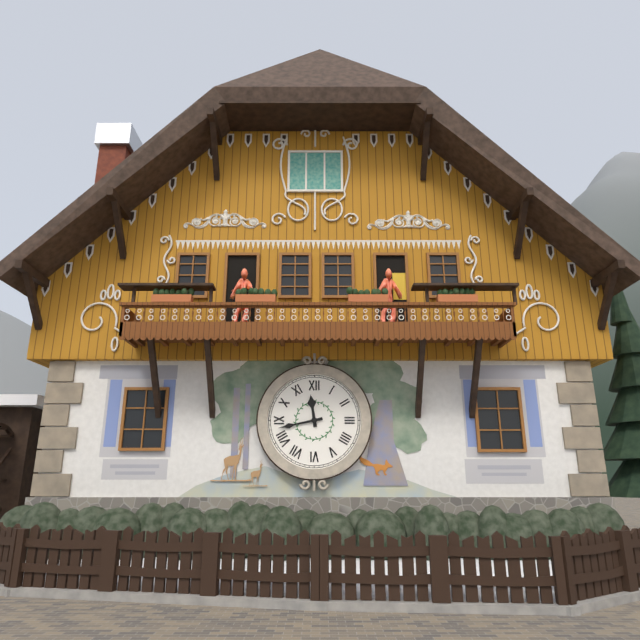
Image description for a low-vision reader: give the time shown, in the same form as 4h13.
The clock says 11h43
